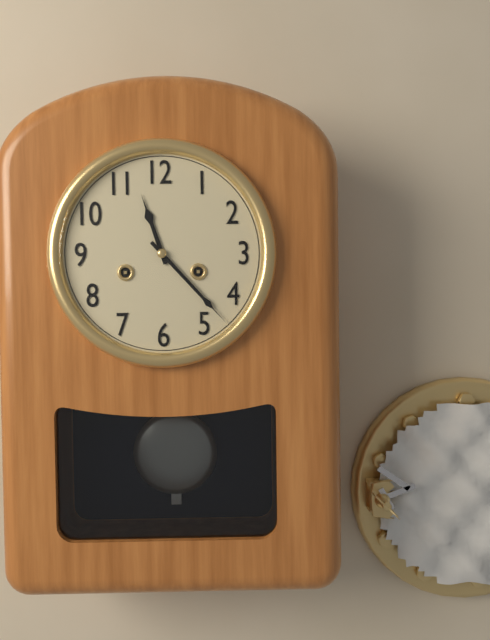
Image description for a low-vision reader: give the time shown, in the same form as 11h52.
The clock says 11h23
